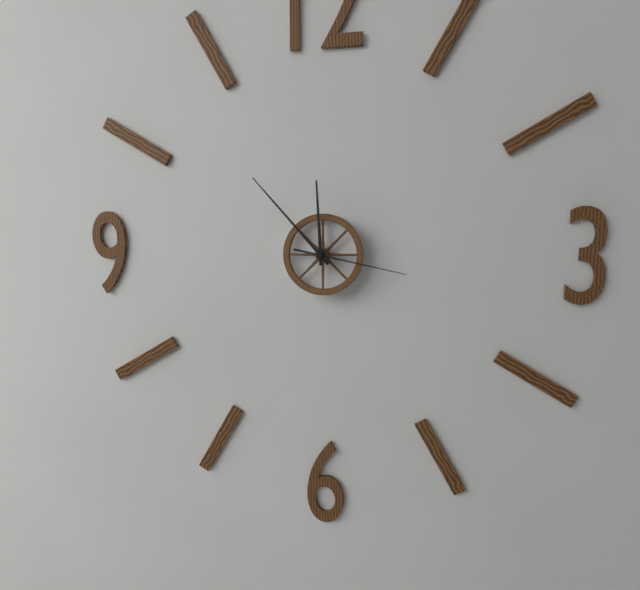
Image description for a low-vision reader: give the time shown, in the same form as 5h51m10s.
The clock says 11h53m17s
